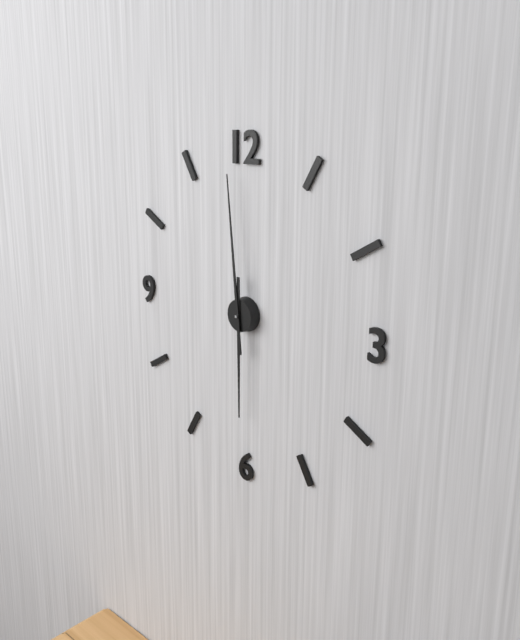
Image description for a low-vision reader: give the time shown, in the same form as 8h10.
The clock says 5h59
